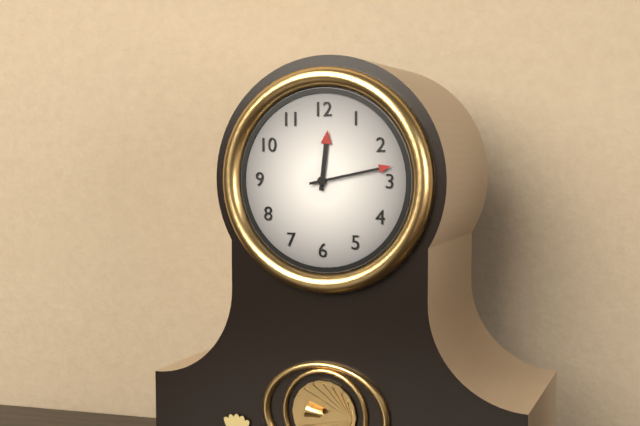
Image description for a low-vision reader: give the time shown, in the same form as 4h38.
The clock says 12h13
